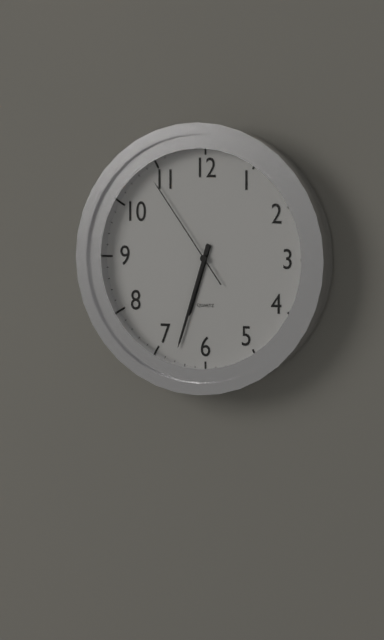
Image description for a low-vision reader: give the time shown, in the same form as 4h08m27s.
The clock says 6h33m54s
